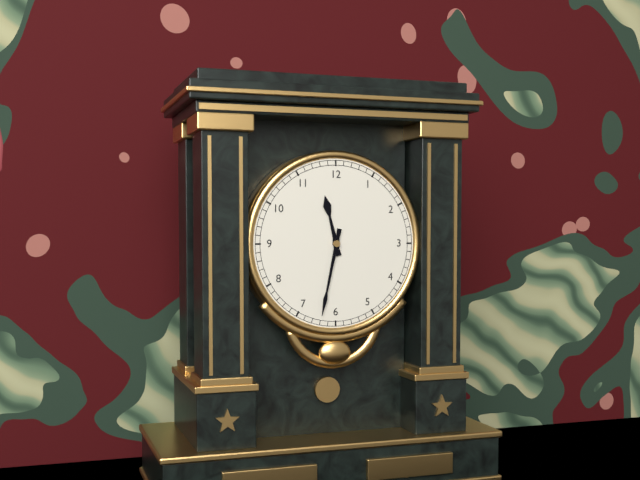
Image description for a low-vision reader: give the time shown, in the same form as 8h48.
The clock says 11h32
